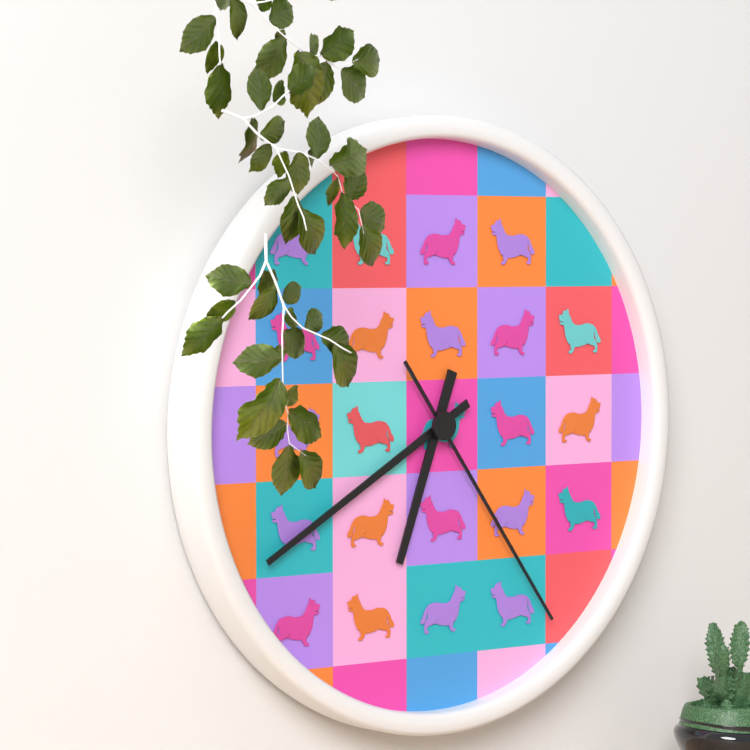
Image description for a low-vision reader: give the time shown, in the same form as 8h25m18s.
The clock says 6h40m24s
